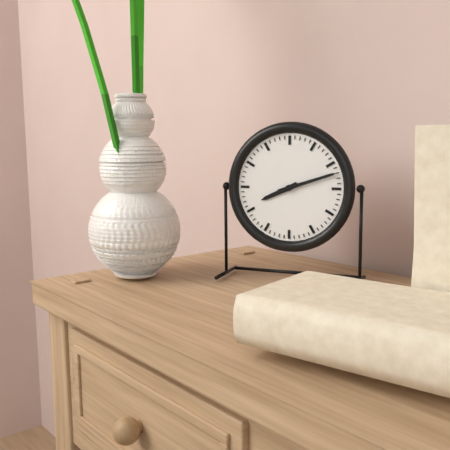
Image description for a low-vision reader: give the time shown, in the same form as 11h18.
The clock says 8h12
